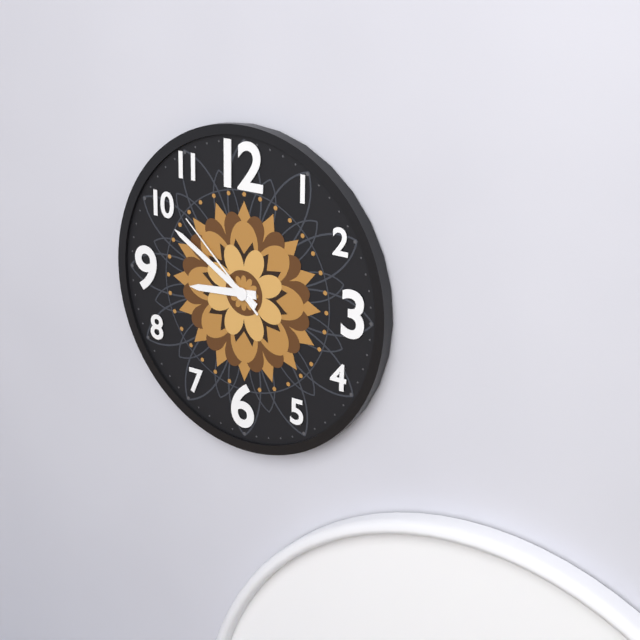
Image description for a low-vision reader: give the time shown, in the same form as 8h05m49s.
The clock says 8h50m52s
